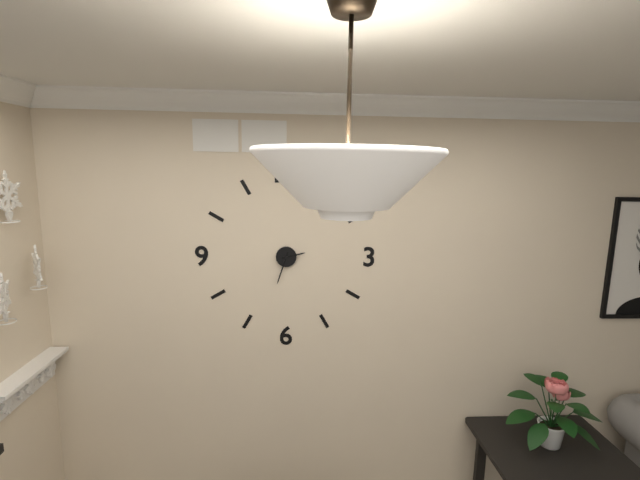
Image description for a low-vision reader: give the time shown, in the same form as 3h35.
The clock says 2h33
